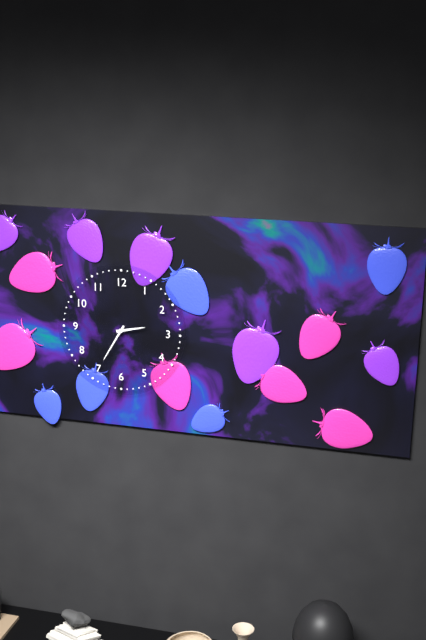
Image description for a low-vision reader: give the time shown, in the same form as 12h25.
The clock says 2h35
